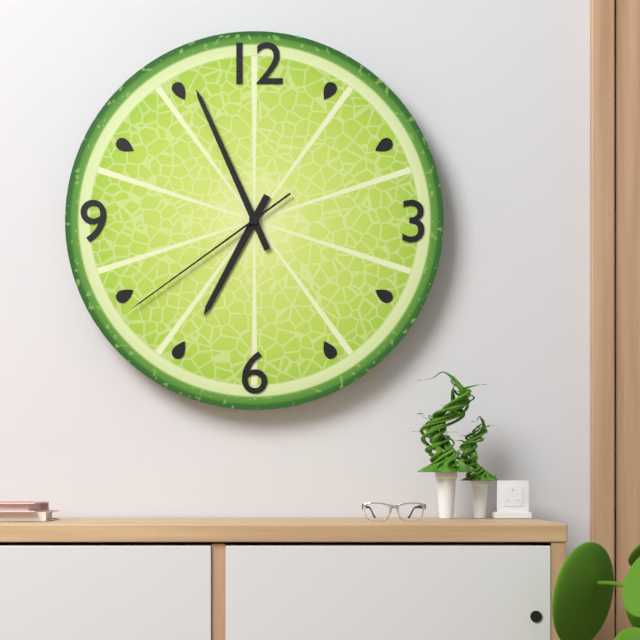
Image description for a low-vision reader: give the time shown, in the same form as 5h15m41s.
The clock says 6h56m39s
